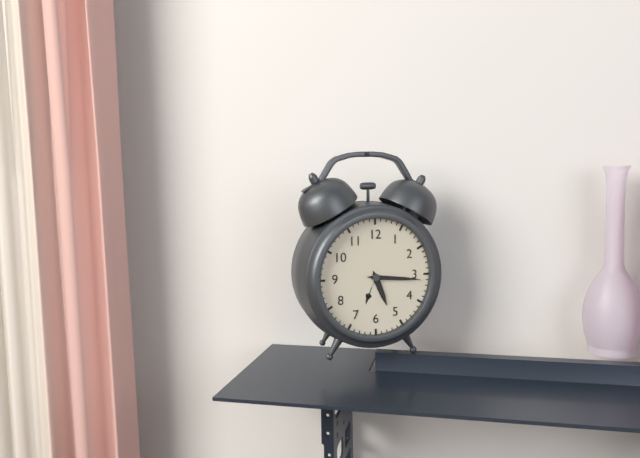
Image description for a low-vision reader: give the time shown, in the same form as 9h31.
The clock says 5h16
